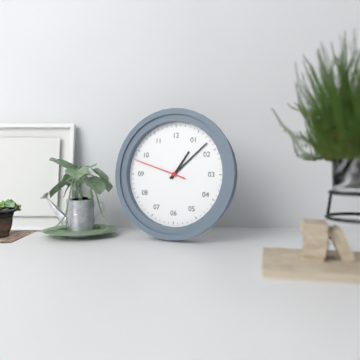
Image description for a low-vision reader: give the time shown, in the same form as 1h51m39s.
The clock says 1h08m48s
